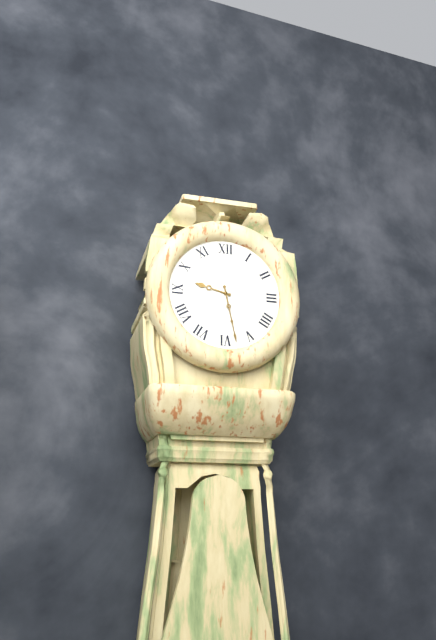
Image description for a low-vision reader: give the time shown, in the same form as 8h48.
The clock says 9h28
